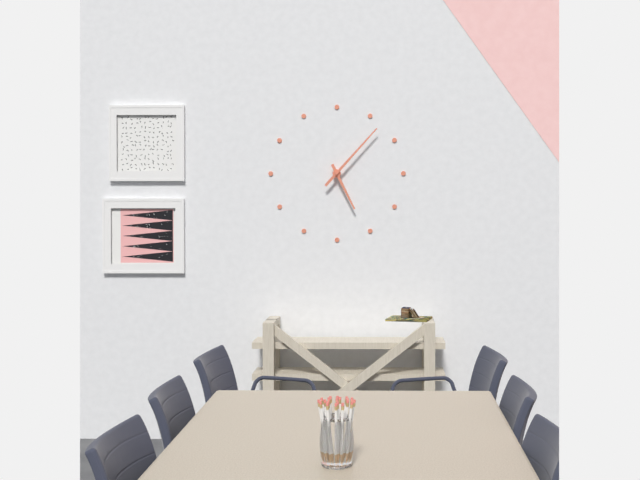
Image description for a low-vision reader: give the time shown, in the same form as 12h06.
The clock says 5h07
